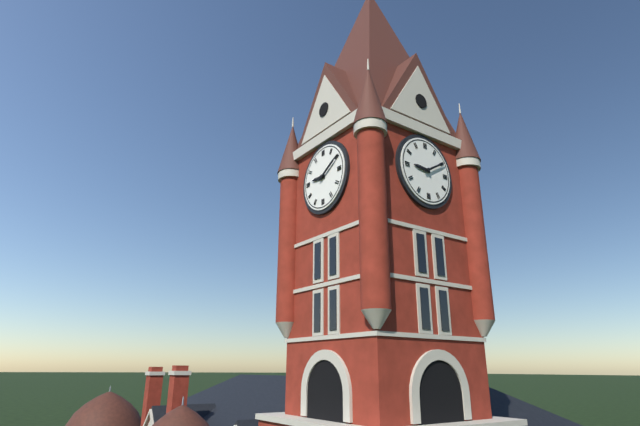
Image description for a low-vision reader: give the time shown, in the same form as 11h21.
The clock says 9h10
